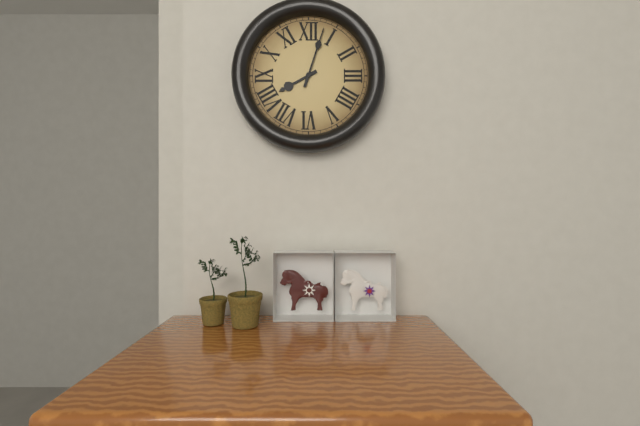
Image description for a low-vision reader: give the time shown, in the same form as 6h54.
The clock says 8h03
